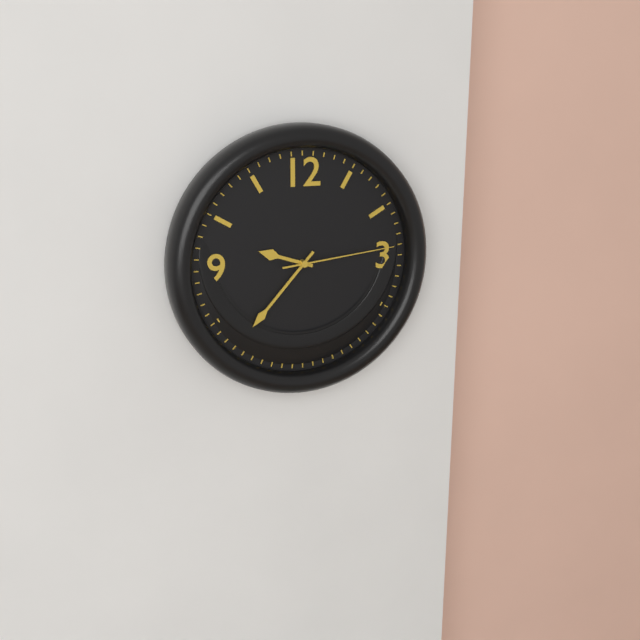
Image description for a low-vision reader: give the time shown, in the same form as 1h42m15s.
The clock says 9h37m14s
